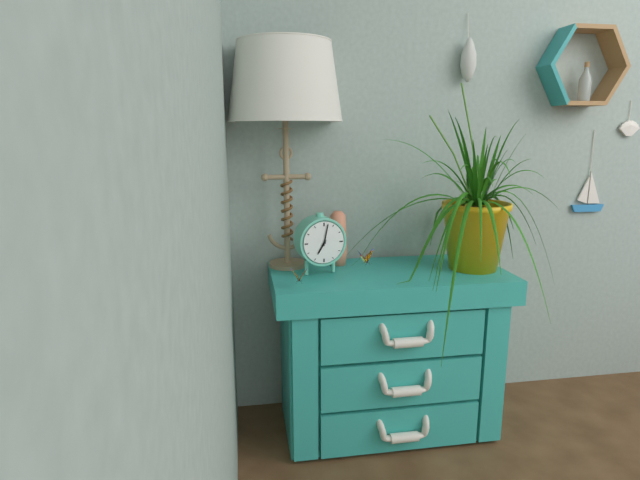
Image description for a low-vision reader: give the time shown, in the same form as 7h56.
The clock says 7h02
